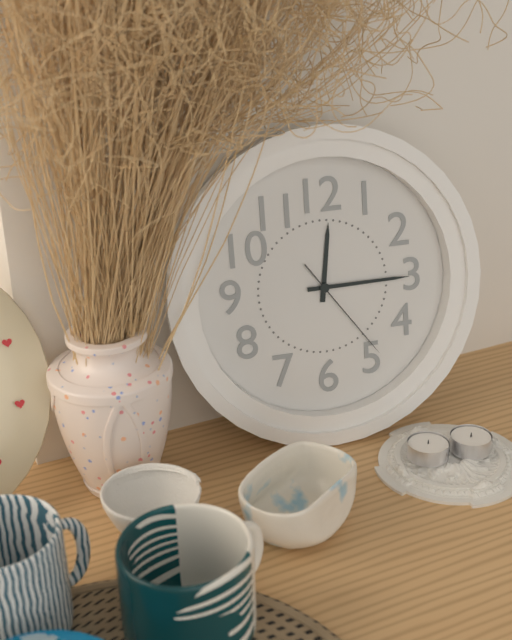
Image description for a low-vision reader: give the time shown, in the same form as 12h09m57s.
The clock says 12h15m24s
